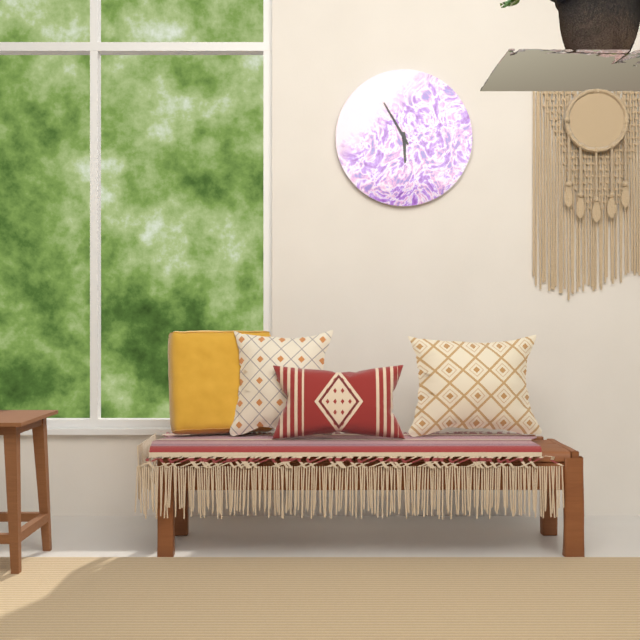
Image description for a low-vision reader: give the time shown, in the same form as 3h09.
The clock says 5h55
